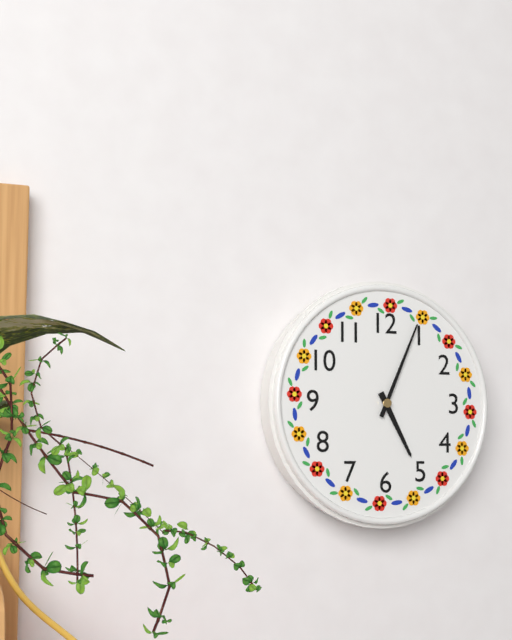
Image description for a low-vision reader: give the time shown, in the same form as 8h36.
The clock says 5h04
